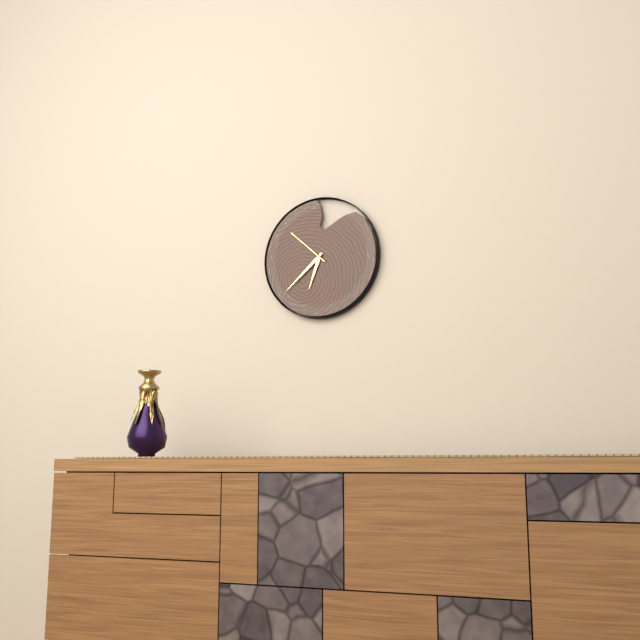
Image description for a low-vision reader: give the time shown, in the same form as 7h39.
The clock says 6h38
